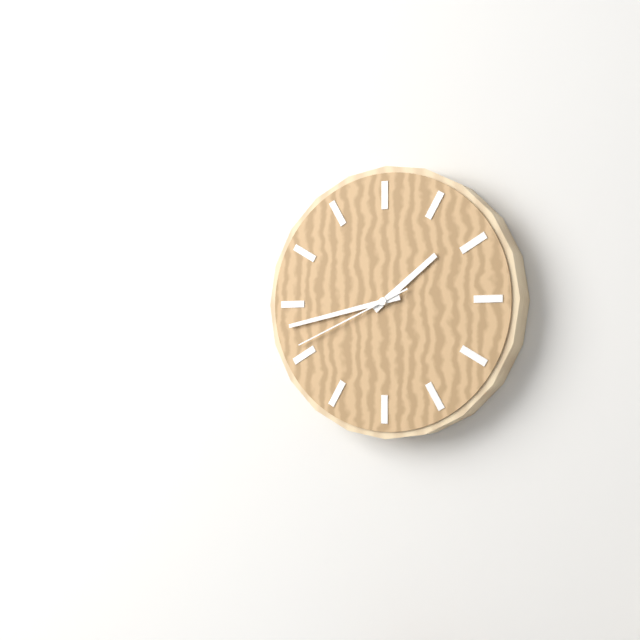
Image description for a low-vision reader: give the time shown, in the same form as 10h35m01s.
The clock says 1h43m41s
